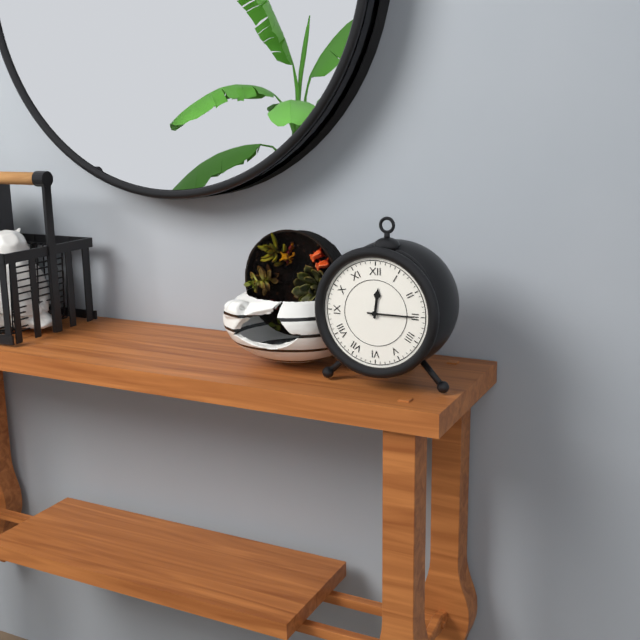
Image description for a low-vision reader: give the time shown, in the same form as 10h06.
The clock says 12h15
